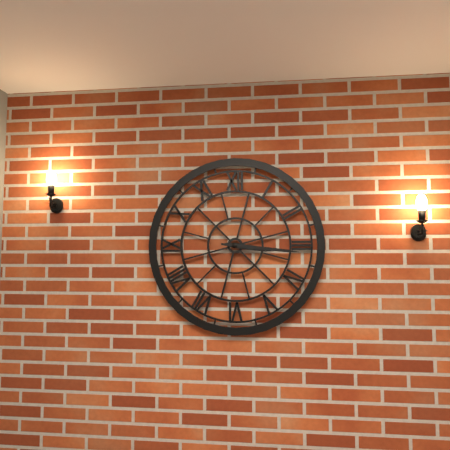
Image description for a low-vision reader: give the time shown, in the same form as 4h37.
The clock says 3h16
